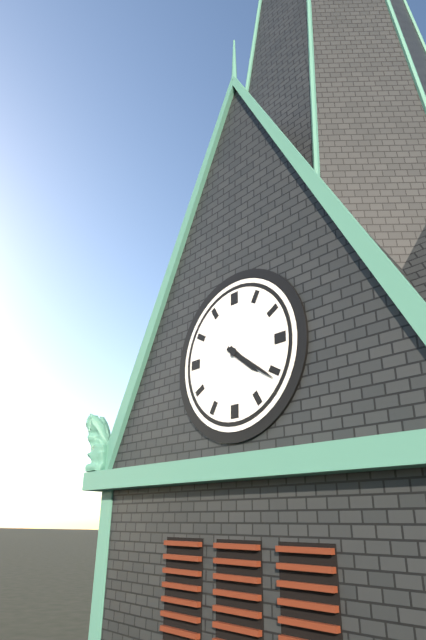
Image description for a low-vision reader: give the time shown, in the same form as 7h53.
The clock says 4h21
